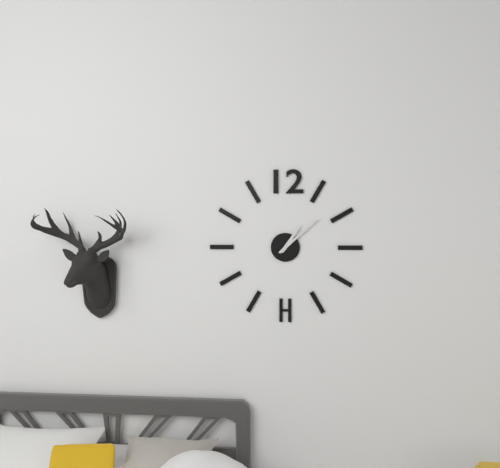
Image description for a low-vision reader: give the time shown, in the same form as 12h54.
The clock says 1h08
